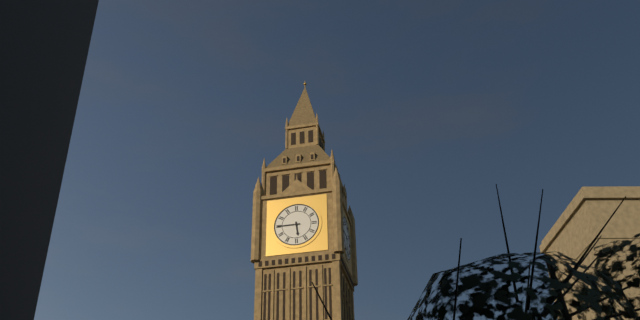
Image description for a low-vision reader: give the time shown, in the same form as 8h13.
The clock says 5h45
